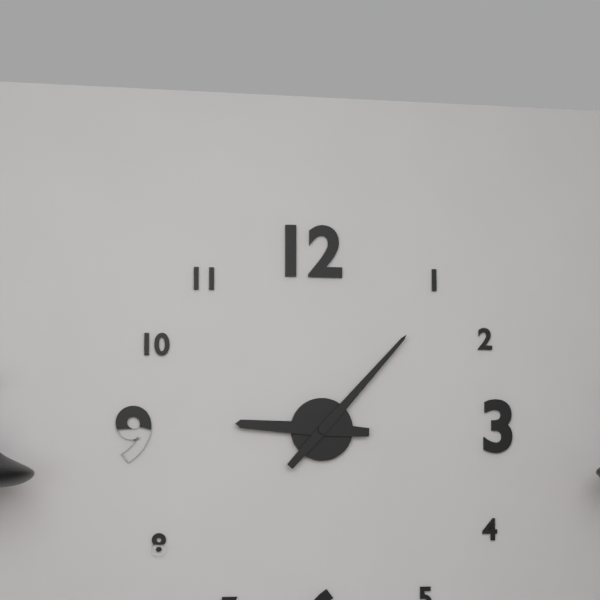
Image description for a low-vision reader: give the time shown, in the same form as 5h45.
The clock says 9h07
